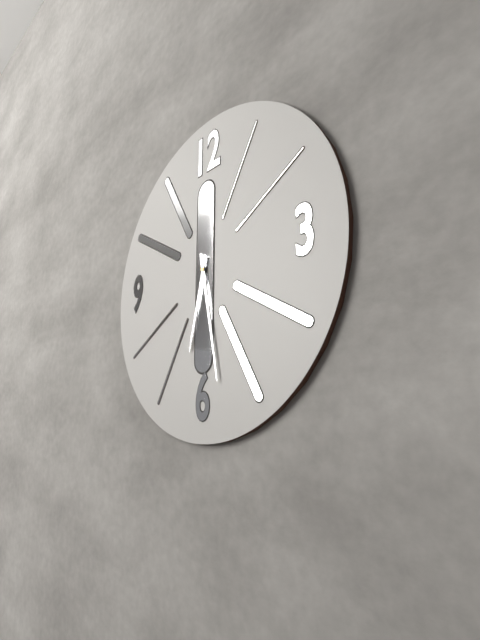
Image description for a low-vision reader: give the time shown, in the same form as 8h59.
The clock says 6h28
